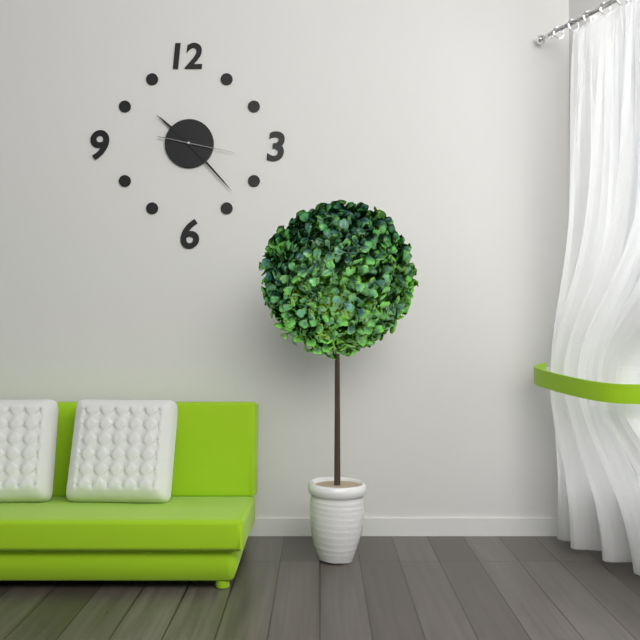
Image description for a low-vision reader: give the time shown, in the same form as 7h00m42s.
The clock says 10h23m17s
